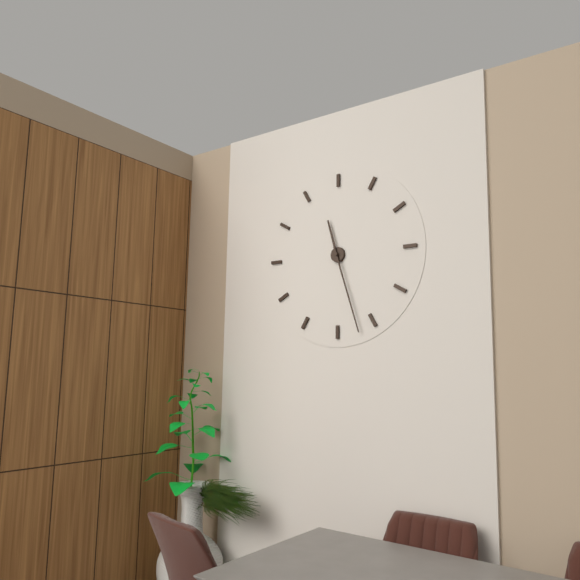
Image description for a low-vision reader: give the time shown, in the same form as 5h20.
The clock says 11h27
